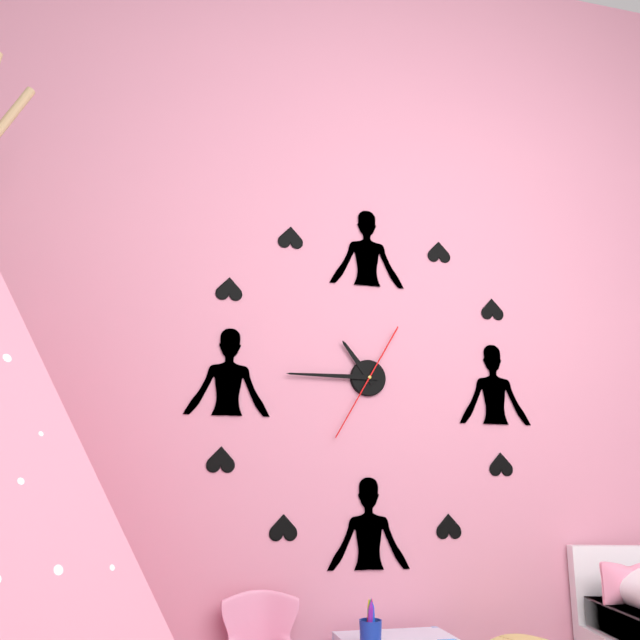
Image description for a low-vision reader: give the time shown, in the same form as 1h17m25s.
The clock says 10h45m35s
